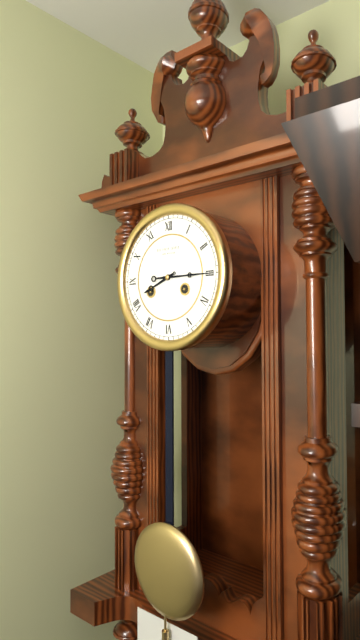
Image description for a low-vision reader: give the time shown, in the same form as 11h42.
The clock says 8h15
